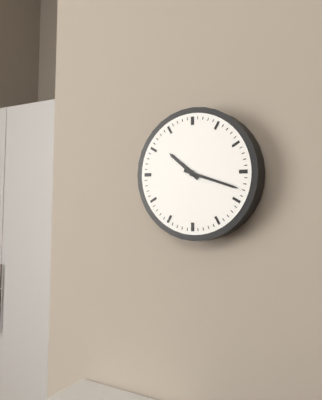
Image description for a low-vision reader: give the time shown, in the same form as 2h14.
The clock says 10h18
